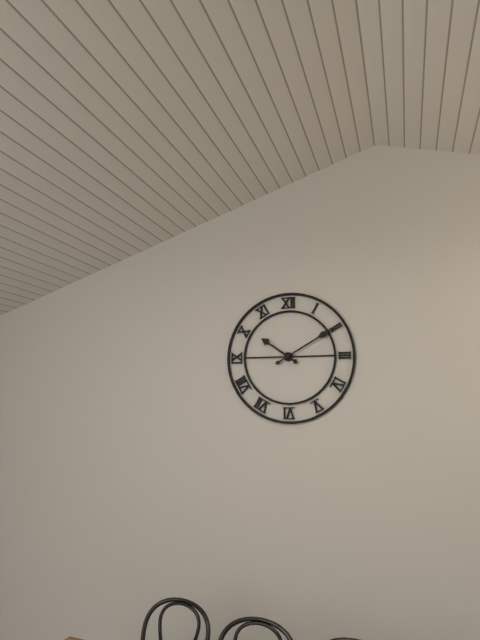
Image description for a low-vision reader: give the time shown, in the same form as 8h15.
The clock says 10h10
